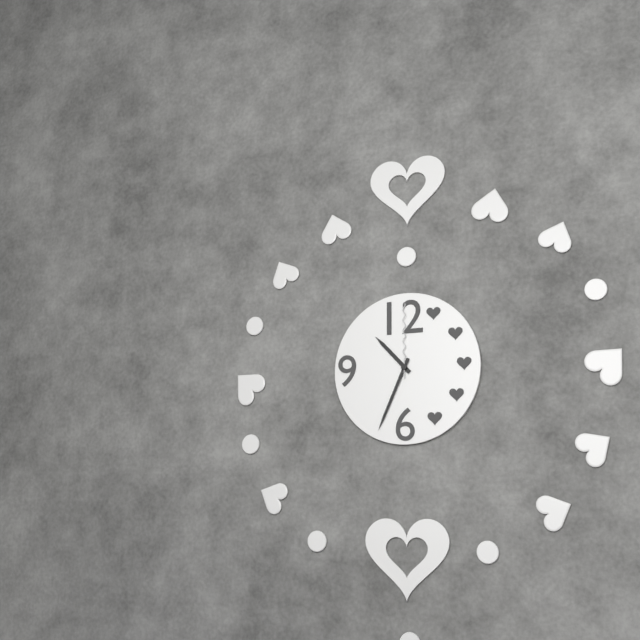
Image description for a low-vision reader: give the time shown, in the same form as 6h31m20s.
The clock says 10h34m00s
